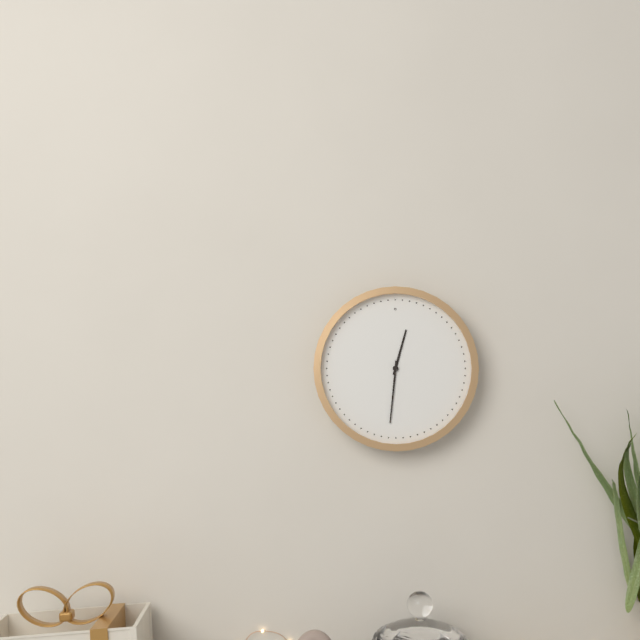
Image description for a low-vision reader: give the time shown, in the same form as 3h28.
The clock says 12h31
